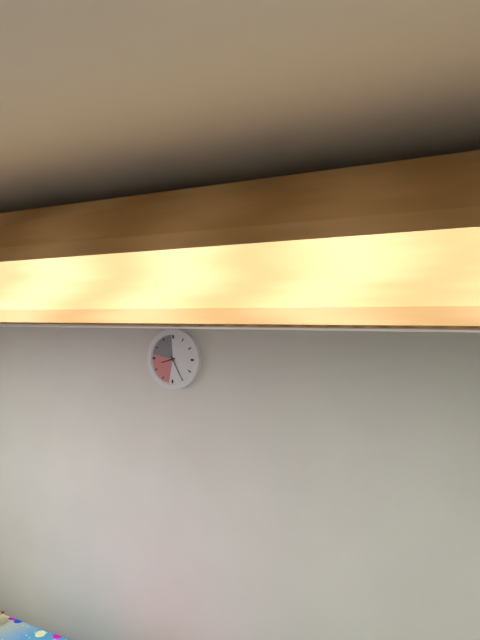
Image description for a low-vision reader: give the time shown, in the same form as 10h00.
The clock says 8h25
